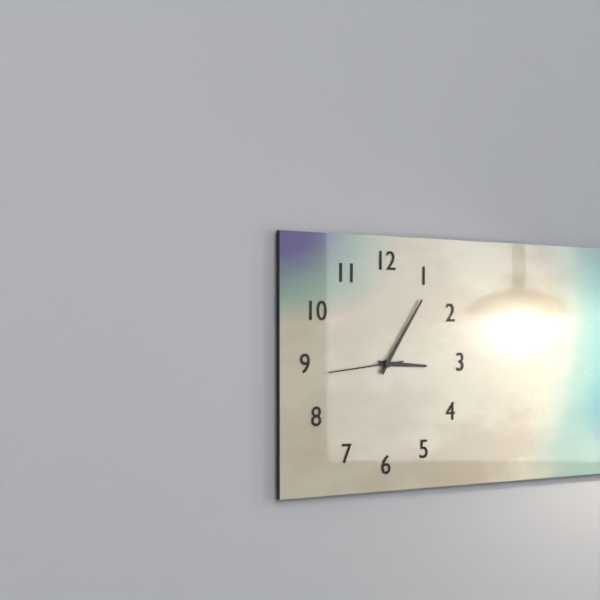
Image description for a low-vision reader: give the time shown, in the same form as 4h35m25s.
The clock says 3h06m44s
